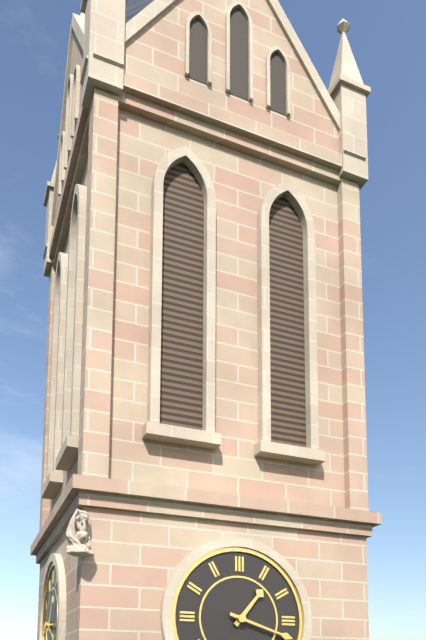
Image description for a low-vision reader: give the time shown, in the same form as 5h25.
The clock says 1h18
